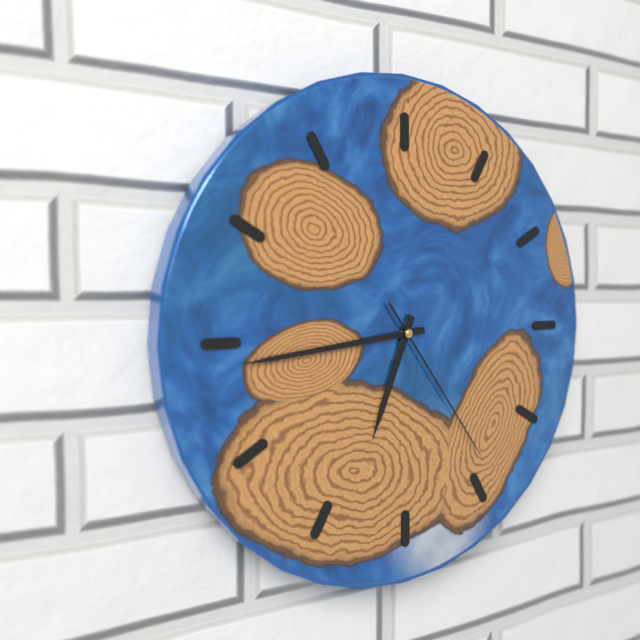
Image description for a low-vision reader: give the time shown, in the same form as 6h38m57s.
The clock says 6h44m24s
